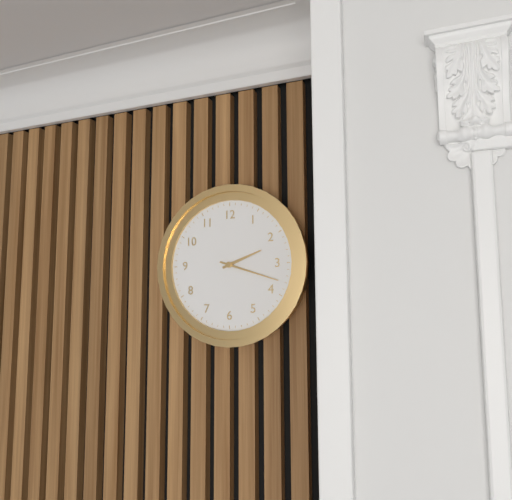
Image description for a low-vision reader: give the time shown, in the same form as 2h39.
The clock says 2h18
